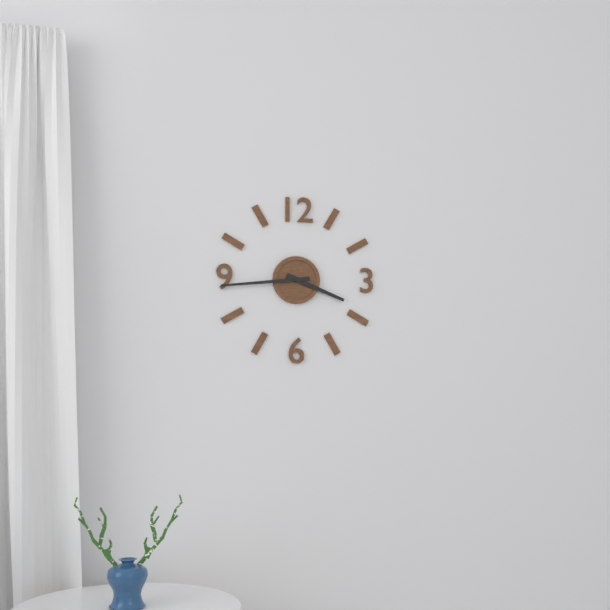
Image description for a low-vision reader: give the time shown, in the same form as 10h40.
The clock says 3h44
